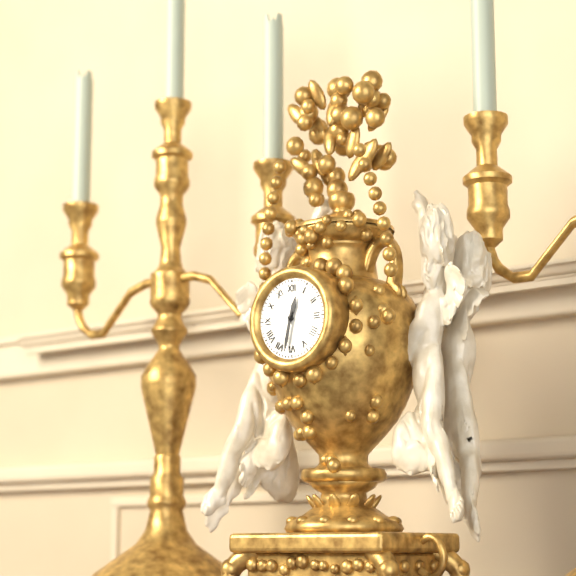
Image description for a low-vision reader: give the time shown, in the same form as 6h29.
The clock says 12h32
